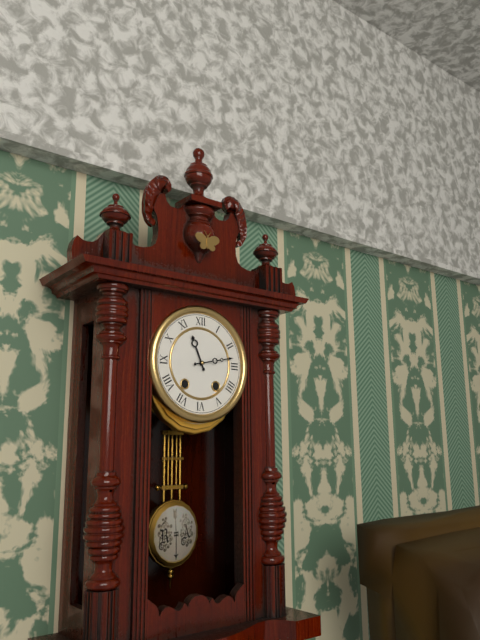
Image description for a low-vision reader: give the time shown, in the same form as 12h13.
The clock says 11h13
